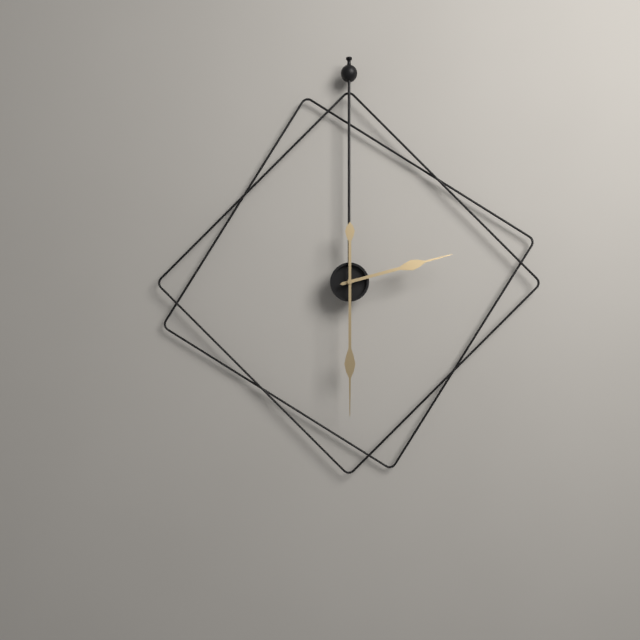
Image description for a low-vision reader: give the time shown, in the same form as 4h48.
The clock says 2h30
